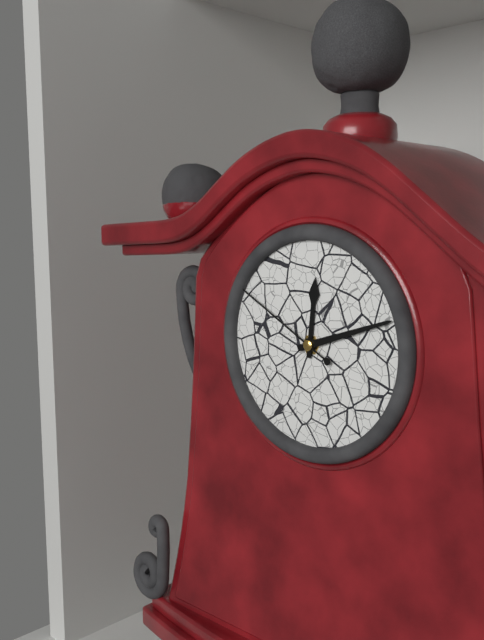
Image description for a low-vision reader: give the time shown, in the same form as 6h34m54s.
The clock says 12h12m50s
